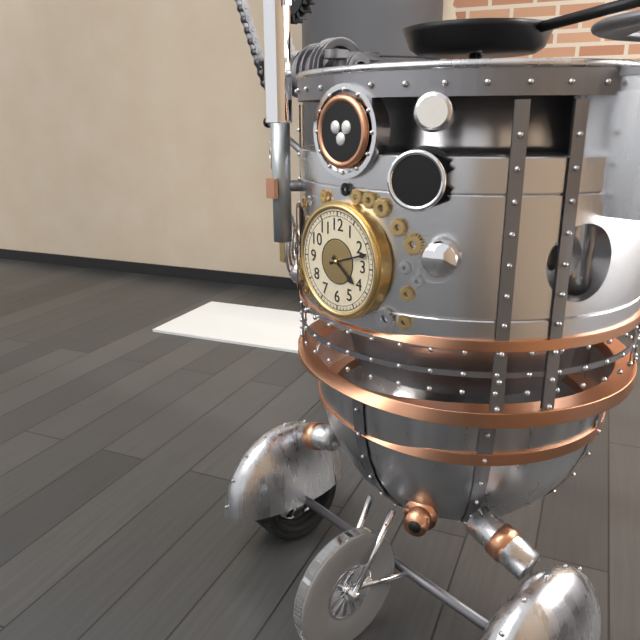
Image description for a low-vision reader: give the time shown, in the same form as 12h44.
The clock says 4h12
